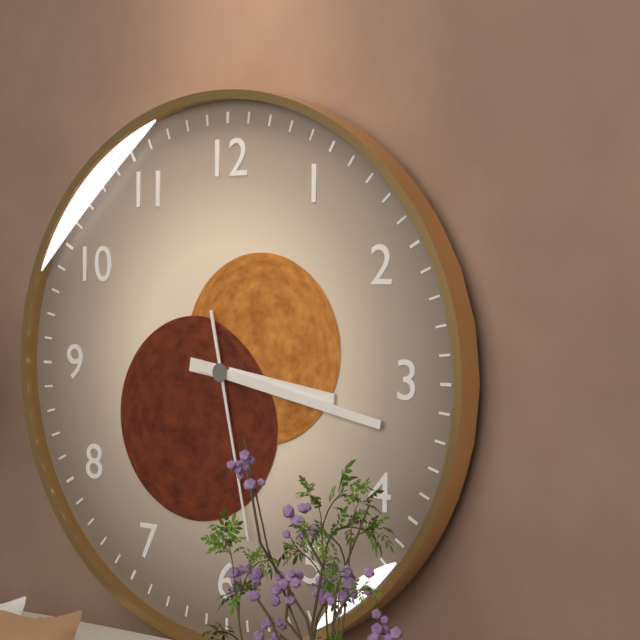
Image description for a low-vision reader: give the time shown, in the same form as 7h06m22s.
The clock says 3h17m28s
